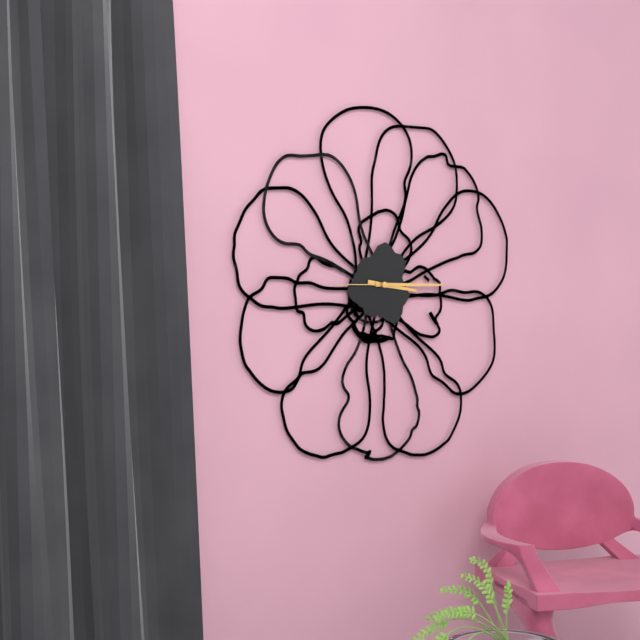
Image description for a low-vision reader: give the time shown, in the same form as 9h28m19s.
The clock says 3h15m45s
